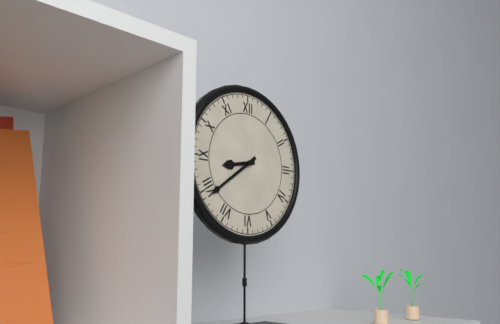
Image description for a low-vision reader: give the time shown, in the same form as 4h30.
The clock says 8h39
